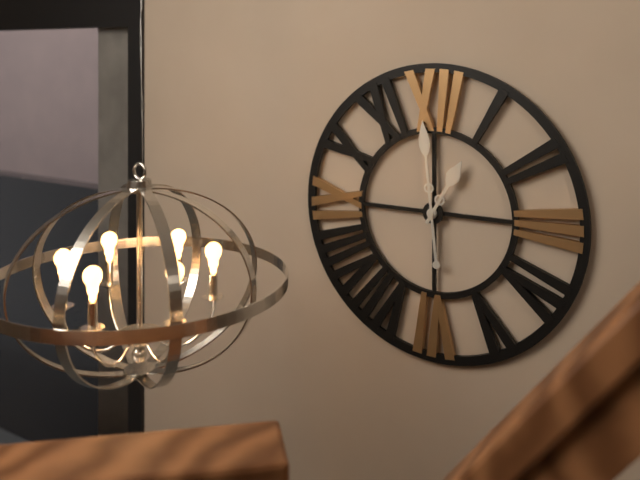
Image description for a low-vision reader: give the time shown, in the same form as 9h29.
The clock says 12h59
